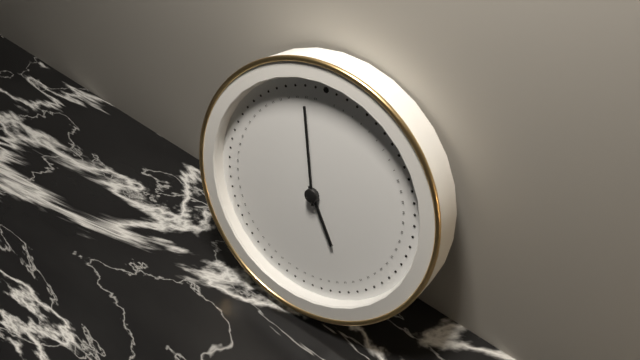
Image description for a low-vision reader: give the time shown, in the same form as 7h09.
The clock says 4h58
